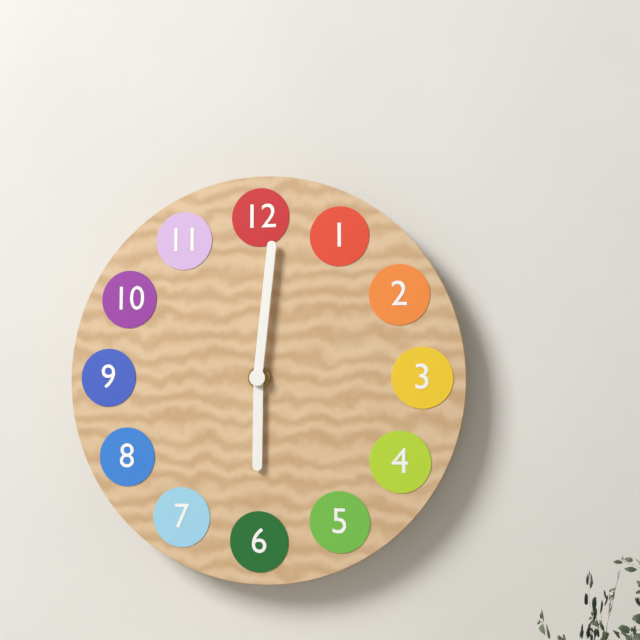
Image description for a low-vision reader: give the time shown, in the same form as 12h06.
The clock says 6h01
